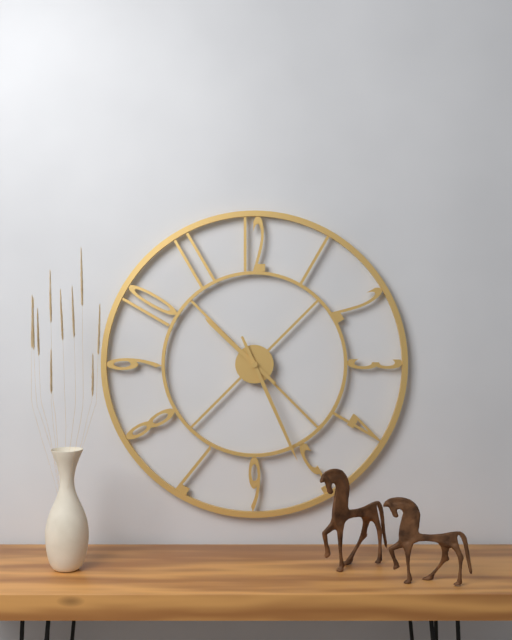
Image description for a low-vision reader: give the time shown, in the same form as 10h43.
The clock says 10h26
